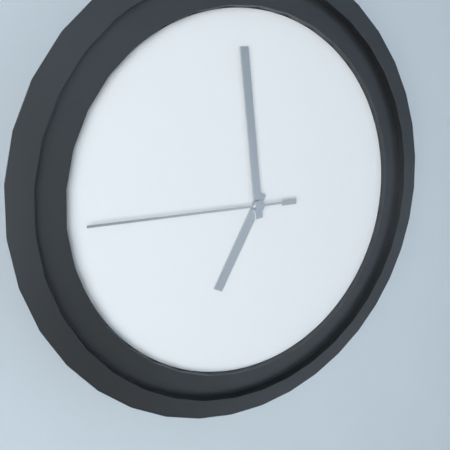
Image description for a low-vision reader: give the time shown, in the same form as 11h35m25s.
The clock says 6h59m45s
